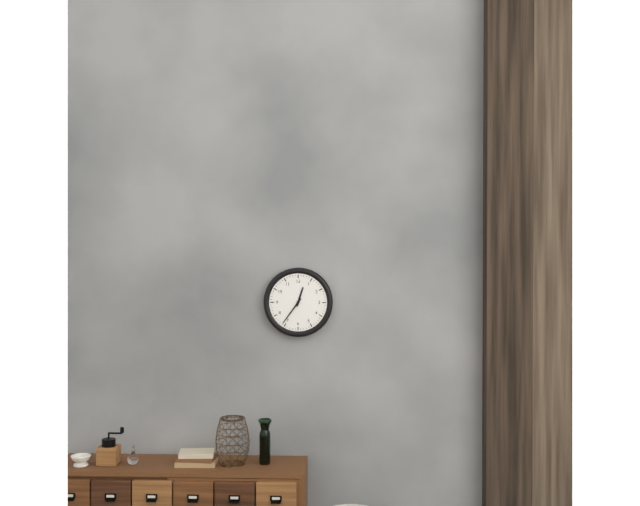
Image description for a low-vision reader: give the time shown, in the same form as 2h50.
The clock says 12h36
